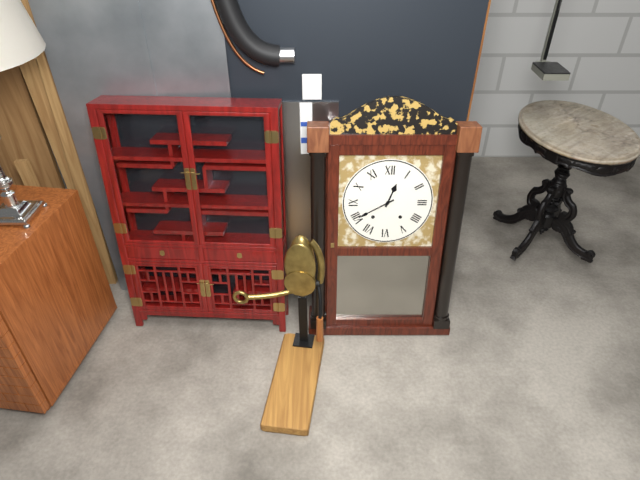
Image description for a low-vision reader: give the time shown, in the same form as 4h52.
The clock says 12h40
